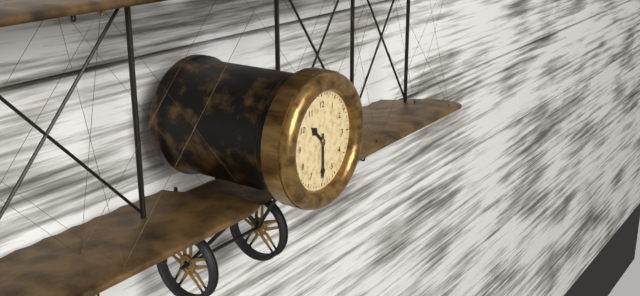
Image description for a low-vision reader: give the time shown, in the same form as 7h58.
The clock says 10h30
